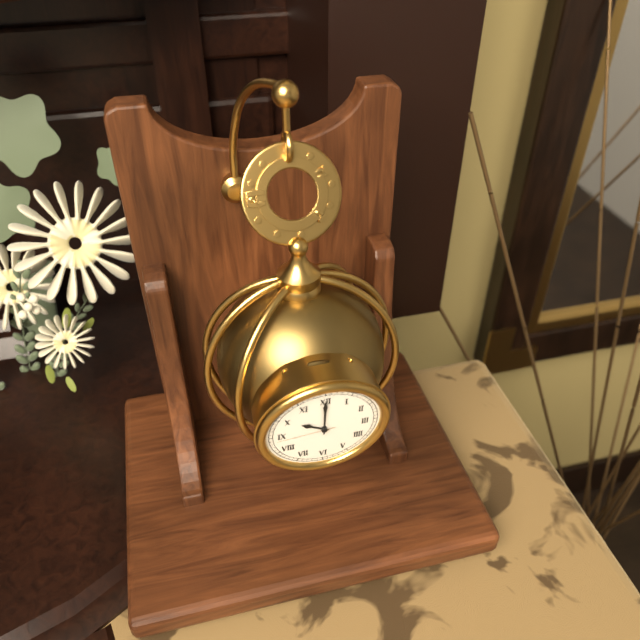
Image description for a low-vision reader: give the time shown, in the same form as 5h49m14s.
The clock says 10h00m44s
